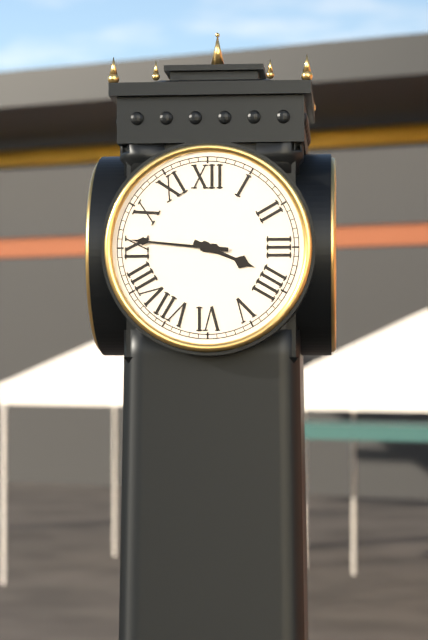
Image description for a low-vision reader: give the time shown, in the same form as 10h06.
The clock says 3h46
